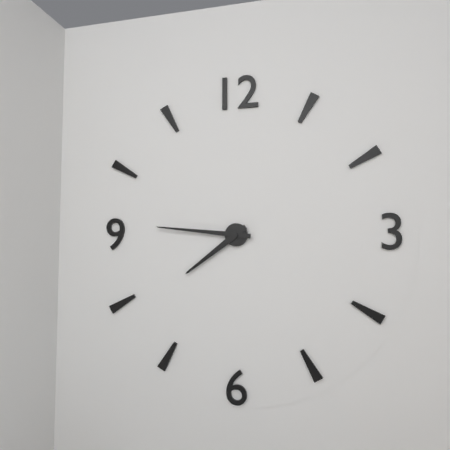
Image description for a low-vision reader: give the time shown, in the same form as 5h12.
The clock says 7h46
